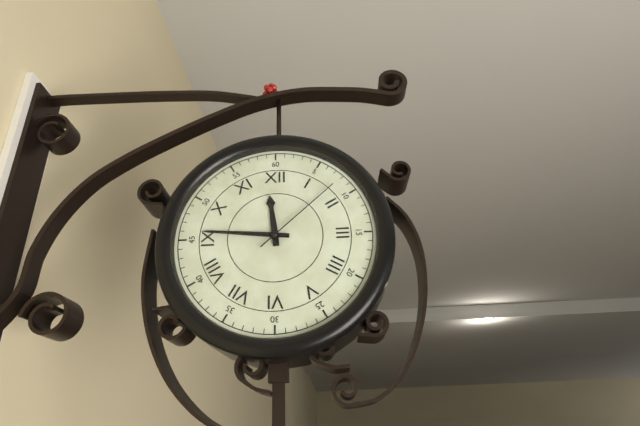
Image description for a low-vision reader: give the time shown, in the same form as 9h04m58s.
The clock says 11h46m08s
